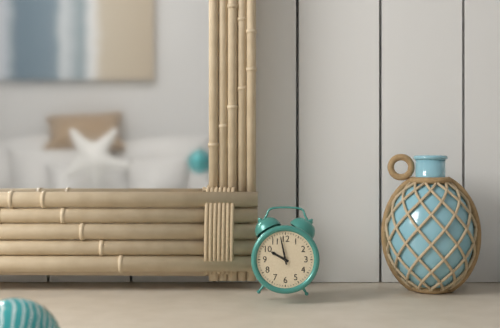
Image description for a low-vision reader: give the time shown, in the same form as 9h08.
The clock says 9h58
